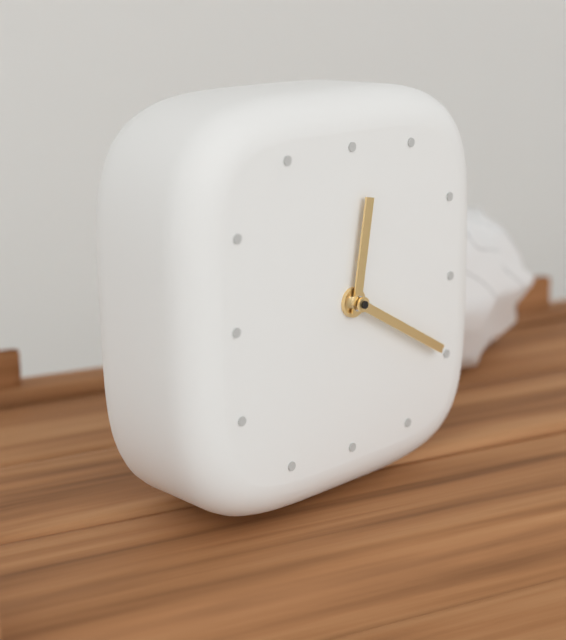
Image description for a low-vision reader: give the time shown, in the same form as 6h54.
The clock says 12h20
